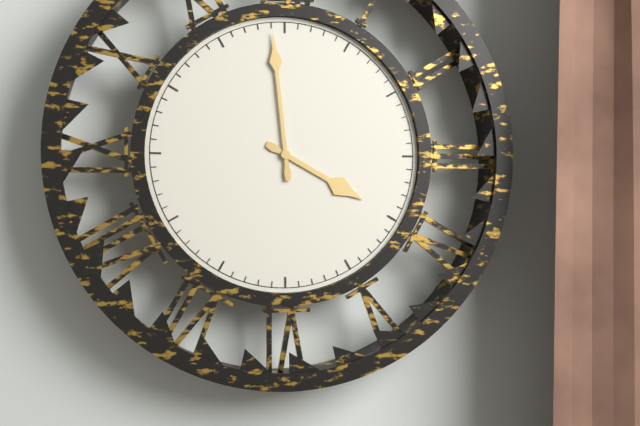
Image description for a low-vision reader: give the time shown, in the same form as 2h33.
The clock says 3h59
